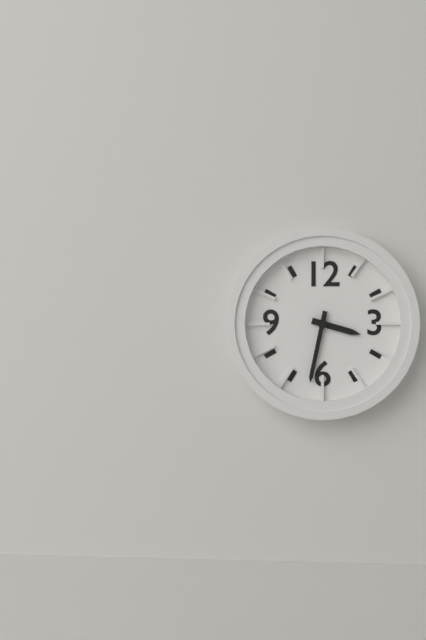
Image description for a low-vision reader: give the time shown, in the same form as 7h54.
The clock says 3h32
